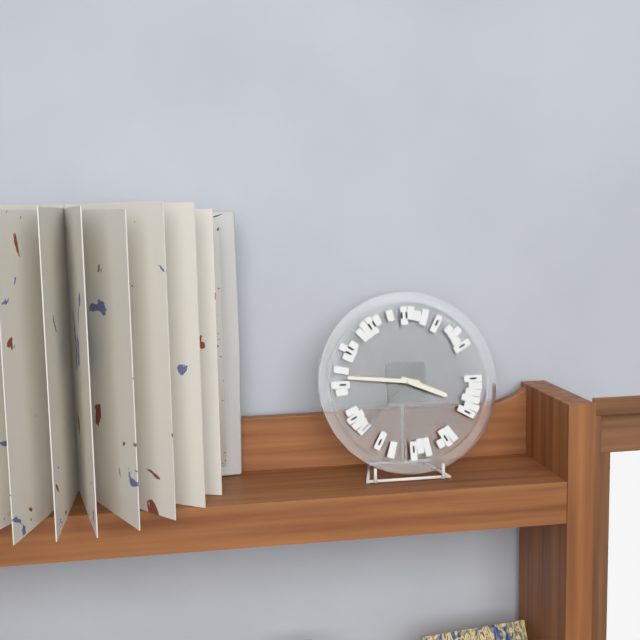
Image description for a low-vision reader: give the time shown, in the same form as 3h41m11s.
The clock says 3h46m38s
